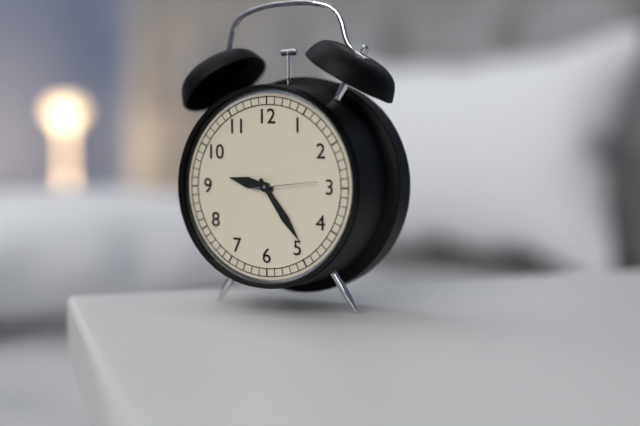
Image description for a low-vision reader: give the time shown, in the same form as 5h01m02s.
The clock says 9h24m14s
